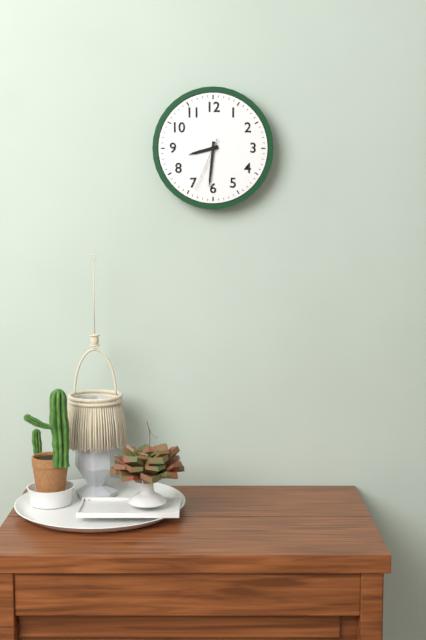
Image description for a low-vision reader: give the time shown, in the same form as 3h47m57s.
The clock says 8h31m34s
